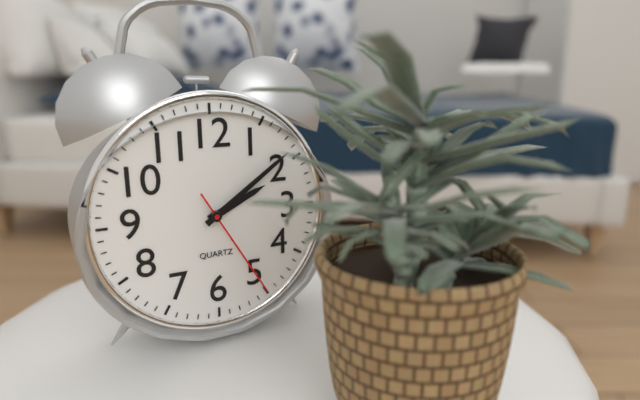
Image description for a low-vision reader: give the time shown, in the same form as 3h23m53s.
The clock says 2h09m25s
